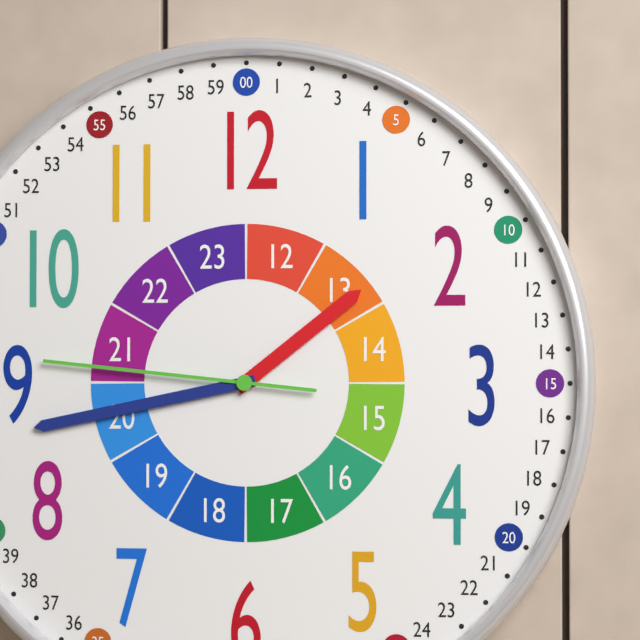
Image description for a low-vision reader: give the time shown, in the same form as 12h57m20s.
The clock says 1h43m46s
